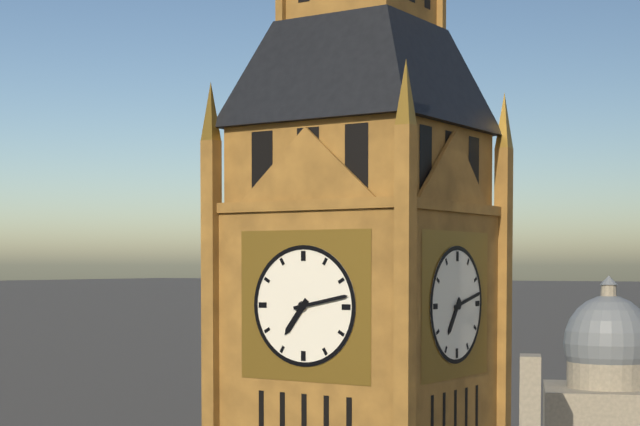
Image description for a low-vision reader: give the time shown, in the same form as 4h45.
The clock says 7h13
